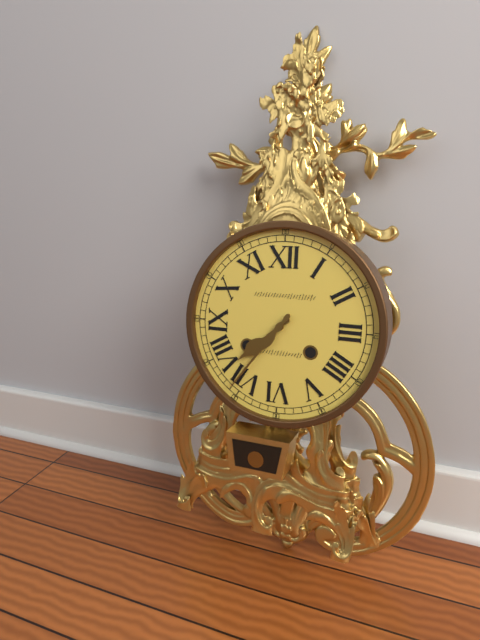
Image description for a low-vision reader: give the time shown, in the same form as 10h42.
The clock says 7h36
